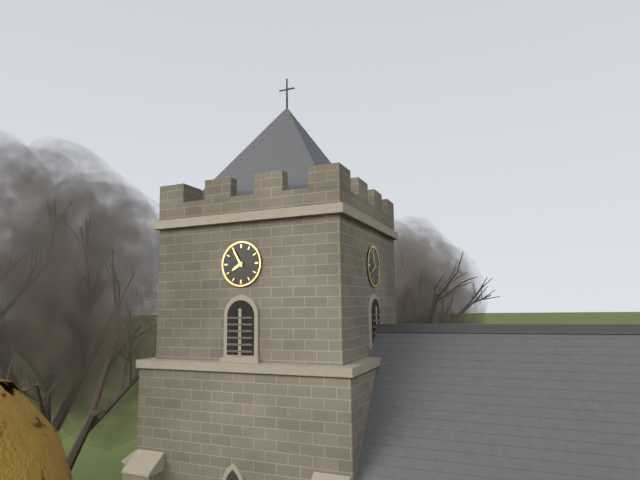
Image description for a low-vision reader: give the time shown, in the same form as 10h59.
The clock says 7h55
